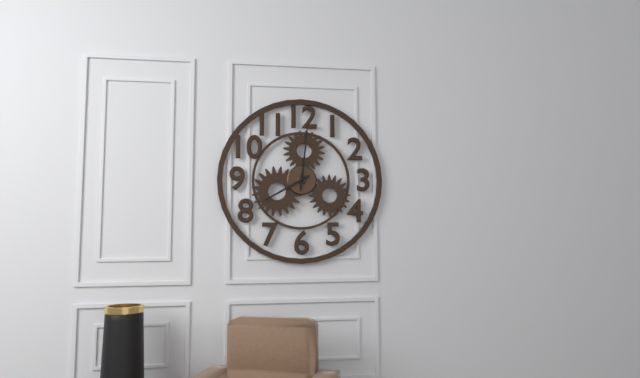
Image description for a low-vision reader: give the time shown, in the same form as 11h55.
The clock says 8h01
